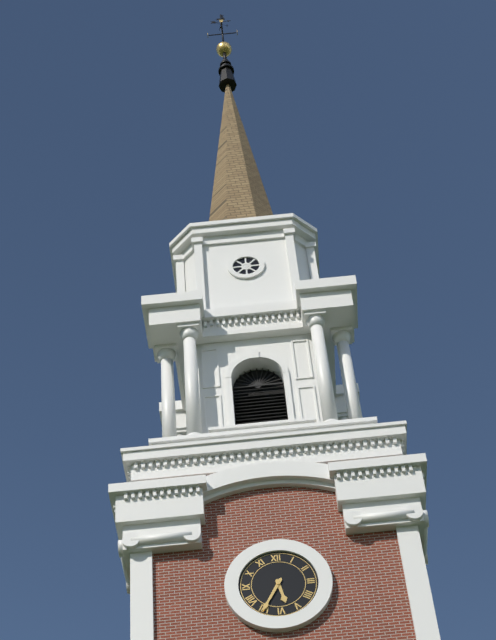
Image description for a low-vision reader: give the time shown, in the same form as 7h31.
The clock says 5h35
